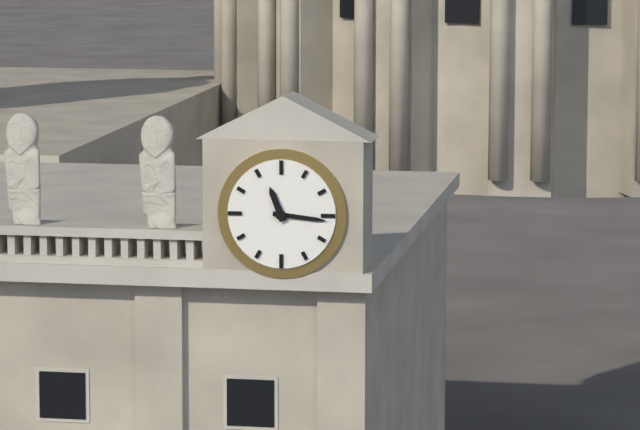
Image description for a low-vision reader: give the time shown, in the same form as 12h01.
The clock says 11h16
